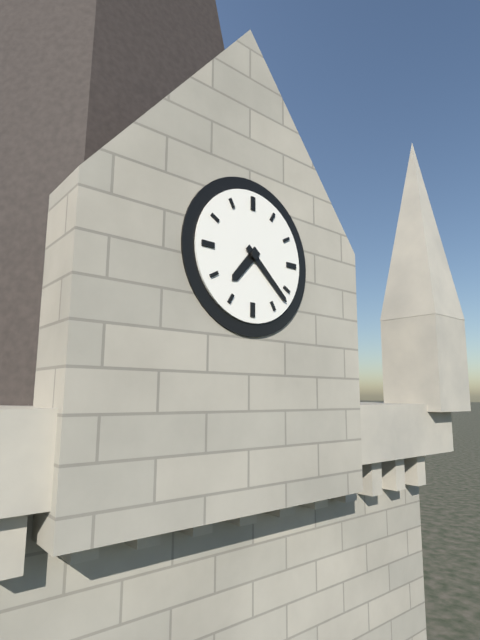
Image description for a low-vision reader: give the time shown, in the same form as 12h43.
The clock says 7h22
